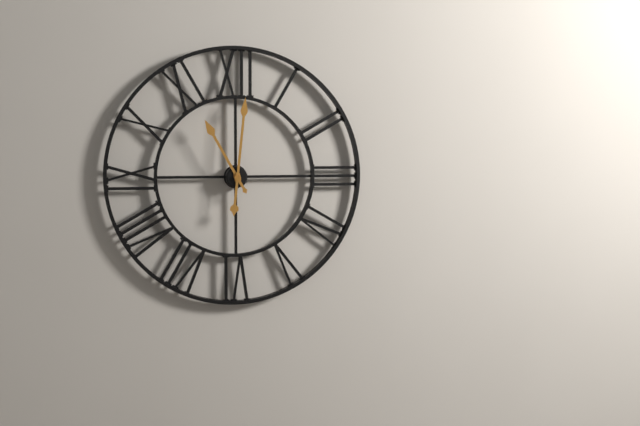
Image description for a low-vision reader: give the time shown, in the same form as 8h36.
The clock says 11h01
